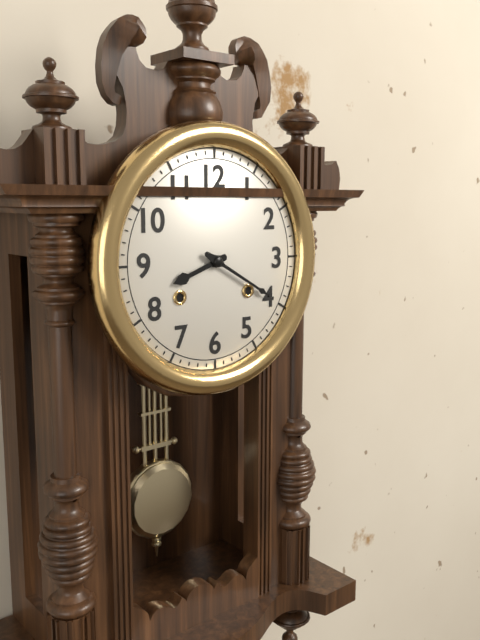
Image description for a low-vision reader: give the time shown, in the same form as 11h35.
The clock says 8h20
